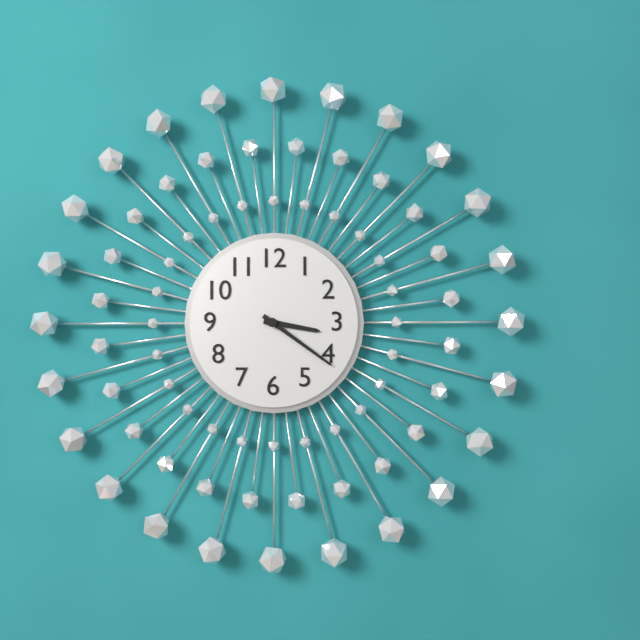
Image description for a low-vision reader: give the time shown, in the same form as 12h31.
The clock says 3h21
